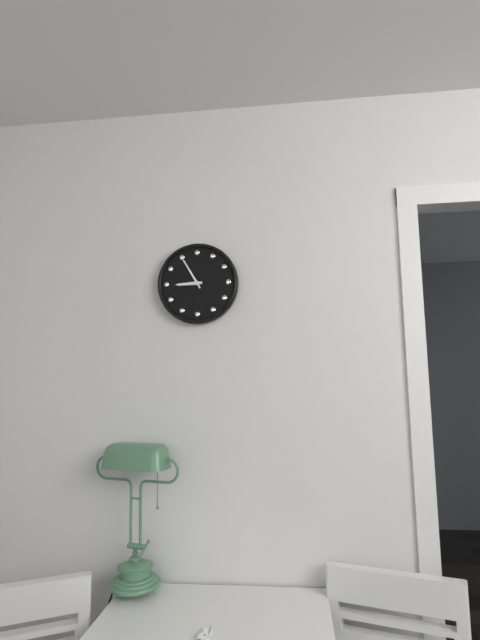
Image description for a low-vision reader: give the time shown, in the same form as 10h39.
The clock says 8h55
